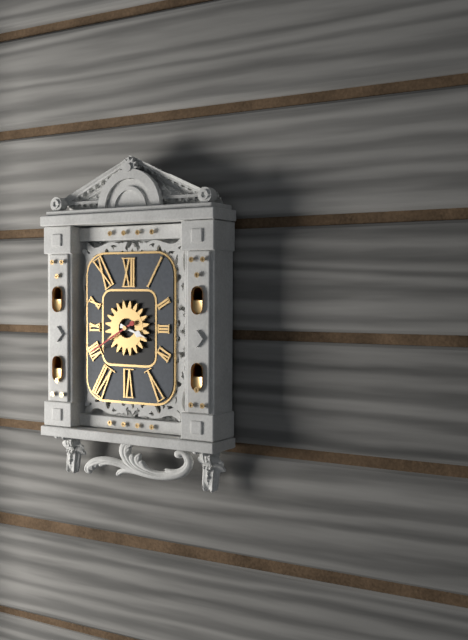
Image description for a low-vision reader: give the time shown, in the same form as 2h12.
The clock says 3h40
